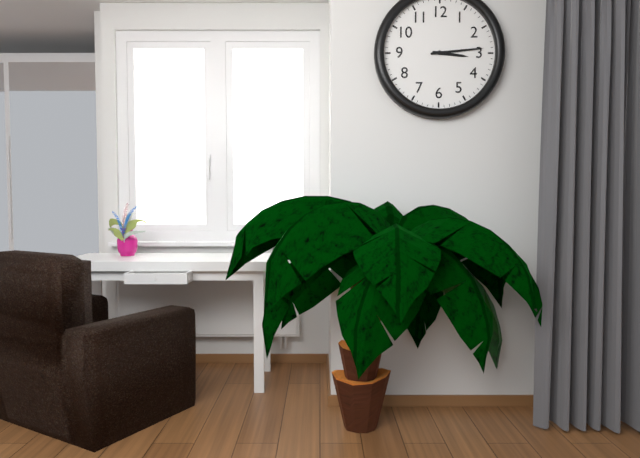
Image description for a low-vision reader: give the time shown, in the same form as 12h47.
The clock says 3h14
